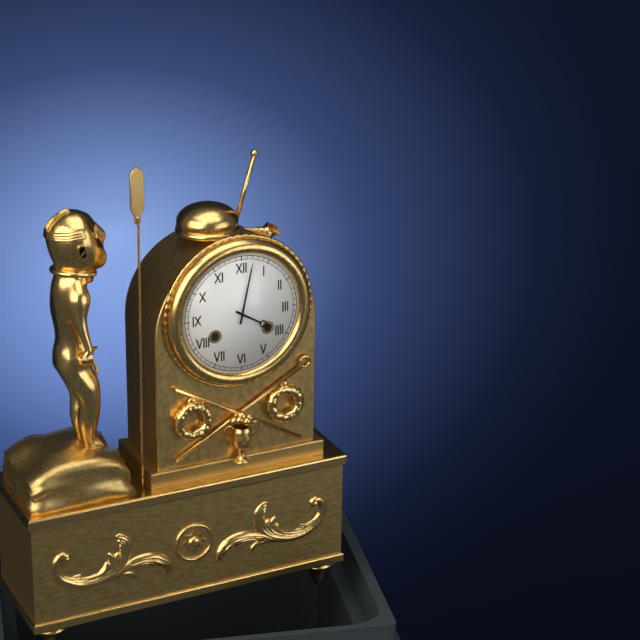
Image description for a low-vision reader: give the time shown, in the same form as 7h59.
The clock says 4h02
